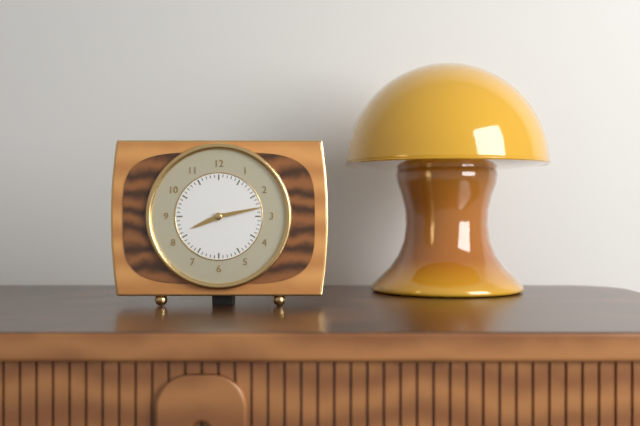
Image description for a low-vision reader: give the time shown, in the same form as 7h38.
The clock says 8h13
